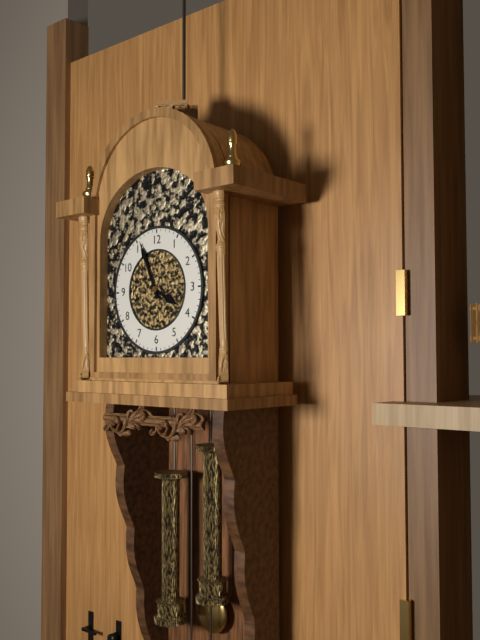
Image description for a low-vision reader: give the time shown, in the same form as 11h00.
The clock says 3h56
